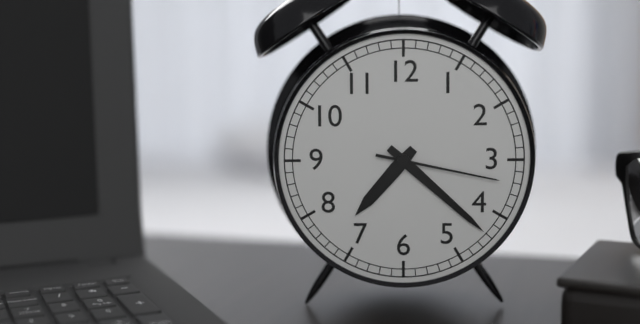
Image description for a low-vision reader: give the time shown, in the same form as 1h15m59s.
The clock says 7h22m17s
